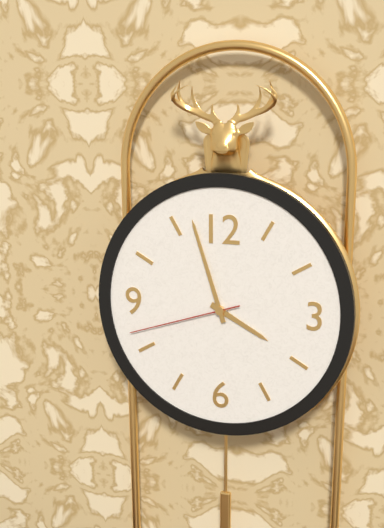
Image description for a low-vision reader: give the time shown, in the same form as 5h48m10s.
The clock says 3h57m42s
